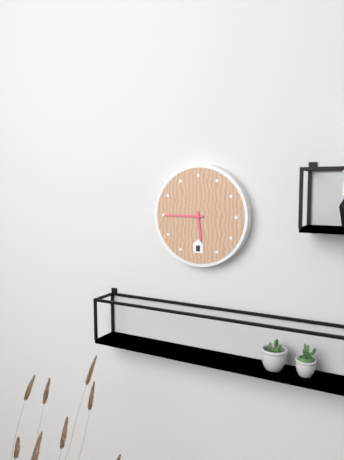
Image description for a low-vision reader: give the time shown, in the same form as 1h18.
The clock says 5h45
